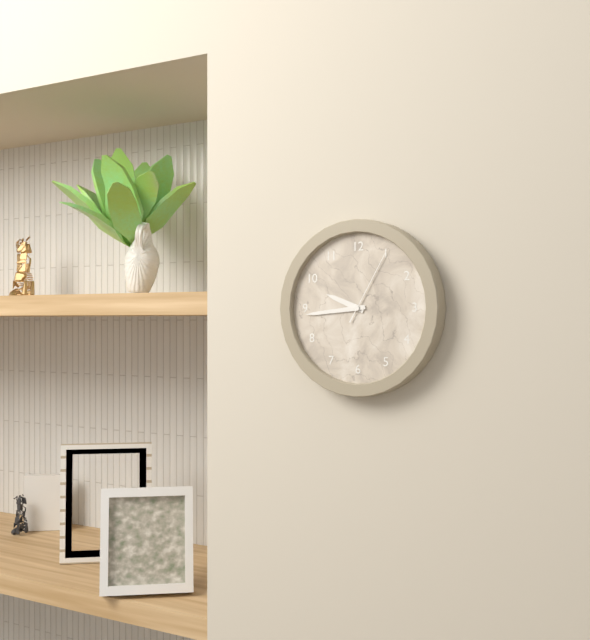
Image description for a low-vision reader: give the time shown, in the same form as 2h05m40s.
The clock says 9h44m05s
